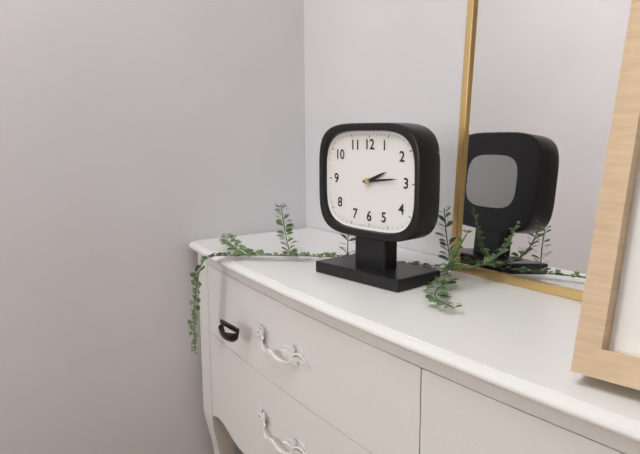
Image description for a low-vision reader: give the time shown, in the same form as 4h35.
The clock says 2h14
